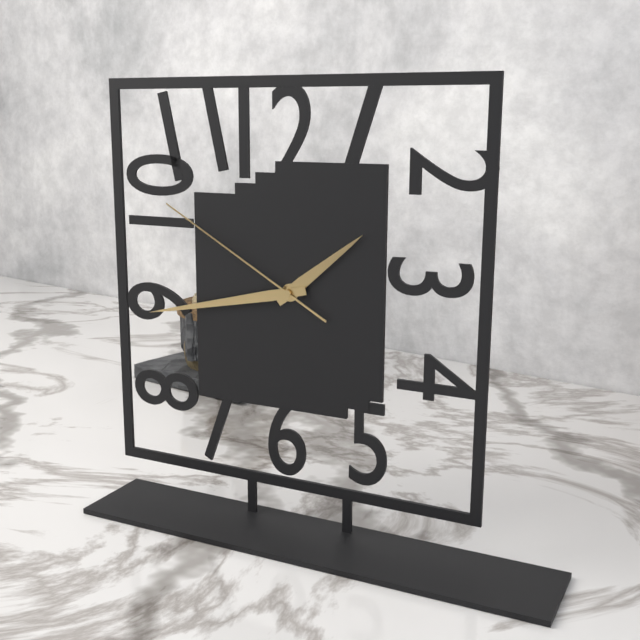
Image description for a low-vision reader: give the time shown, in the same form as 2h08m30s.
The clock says 1h43m50s
